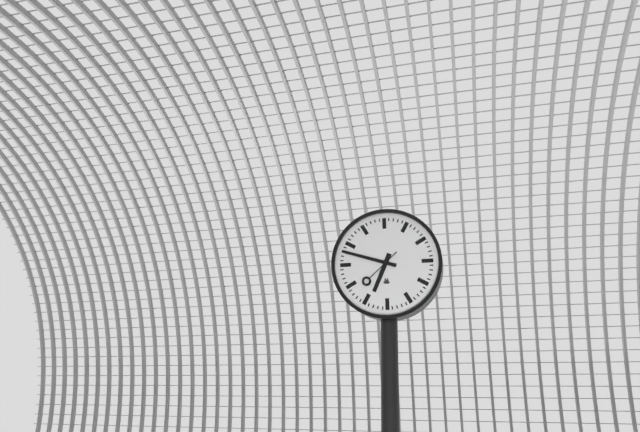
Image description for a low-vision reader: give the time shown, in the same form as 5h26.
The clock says 6h48
